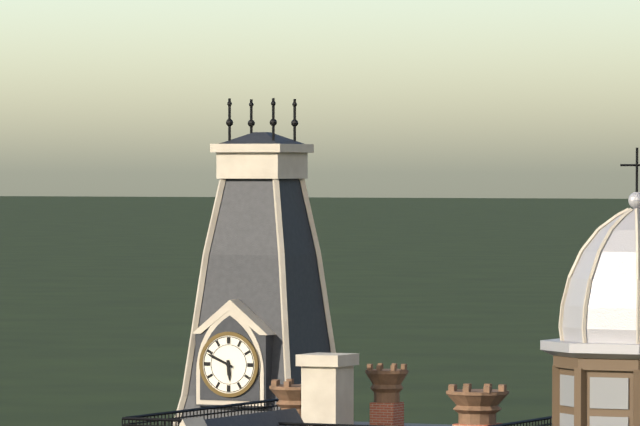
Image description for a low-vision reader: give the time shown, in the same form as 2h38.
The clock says 5h49
